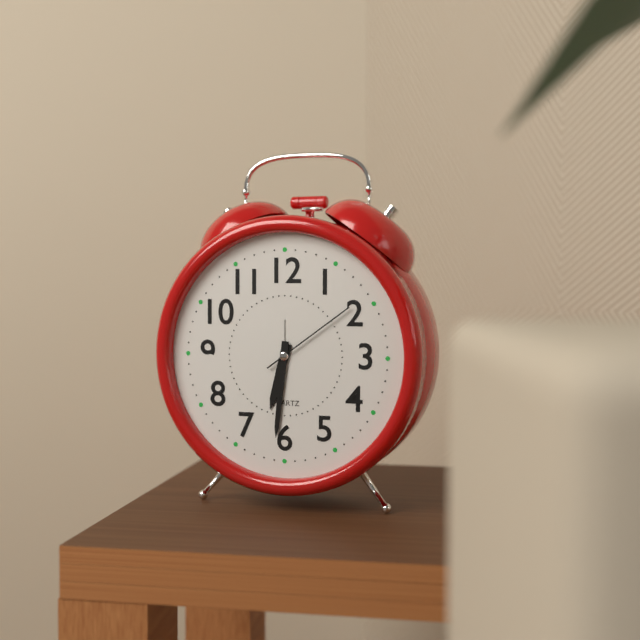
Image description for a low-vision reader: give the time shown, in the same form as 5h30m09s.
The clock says 6h31m09s
